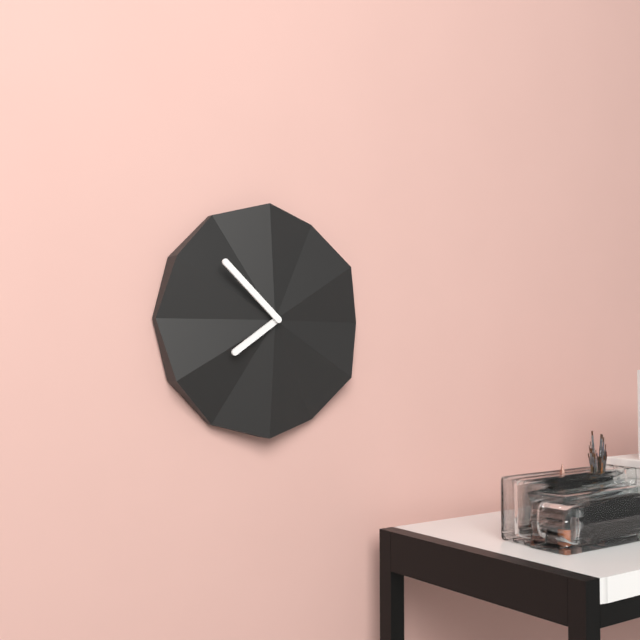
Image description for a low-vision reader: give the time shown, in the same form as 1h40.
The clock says 7h52
